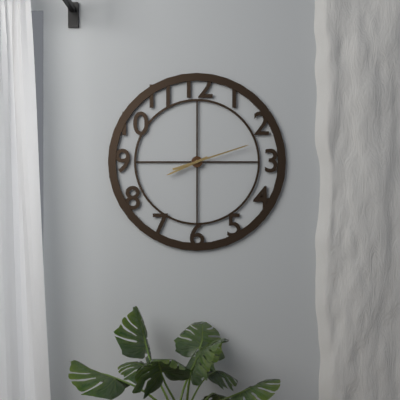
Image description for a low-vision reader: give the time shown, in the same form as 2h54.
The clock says 8h12
